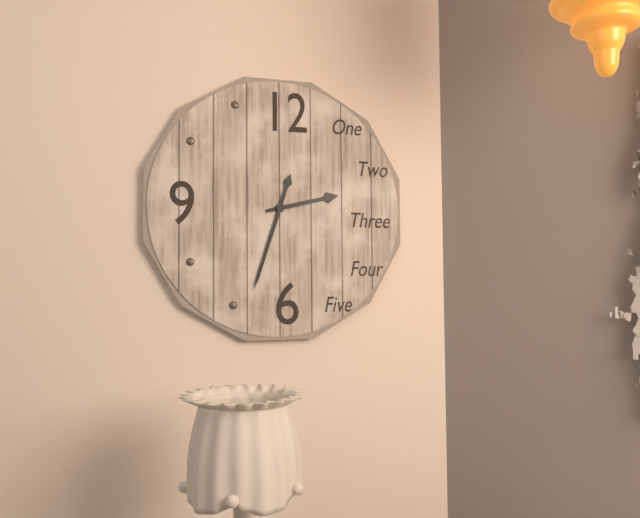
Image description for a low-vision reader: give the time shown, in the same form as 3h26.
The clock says 2h33
